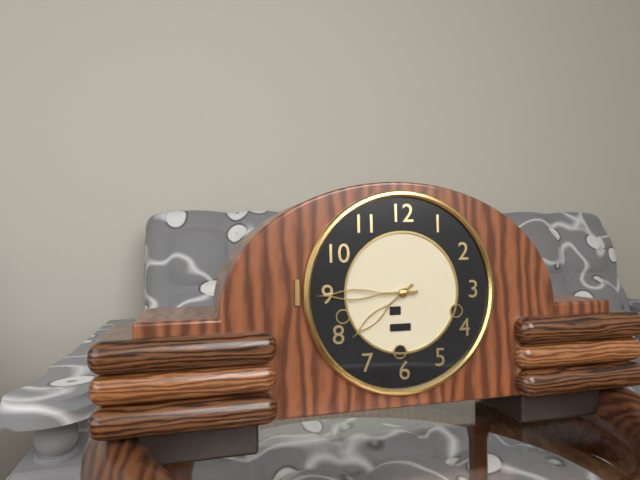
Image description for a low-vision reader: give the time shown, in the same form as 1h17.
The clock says 7h45
